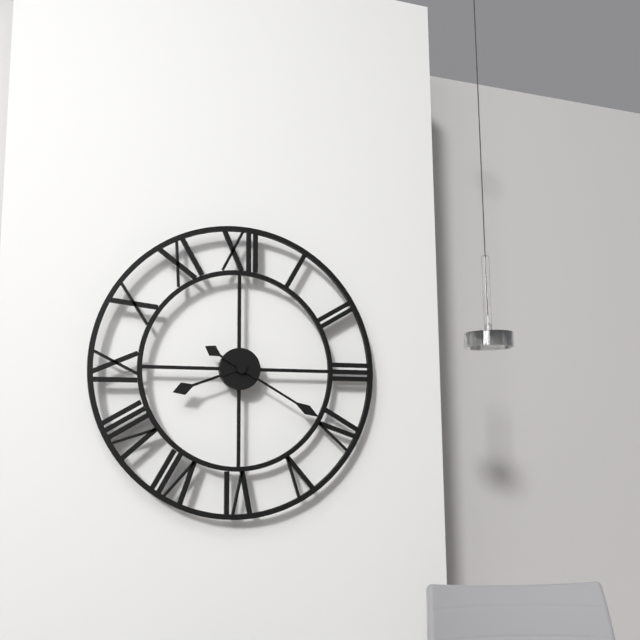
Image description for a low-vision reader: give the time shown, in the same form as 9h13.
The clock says 8h20
